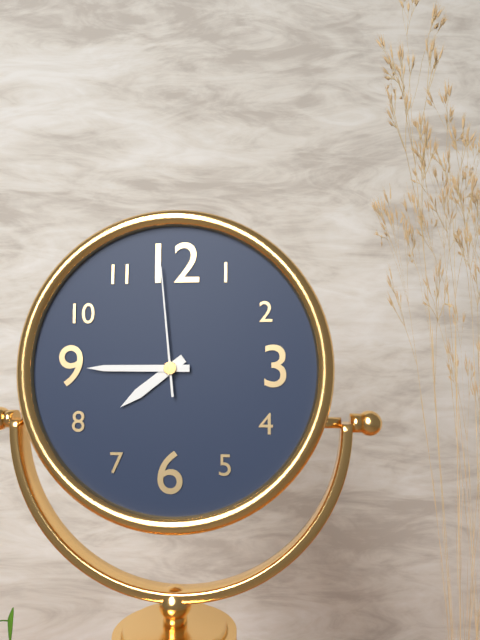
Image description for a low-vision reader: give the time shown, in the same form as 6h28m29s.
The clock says 7h45m59s
